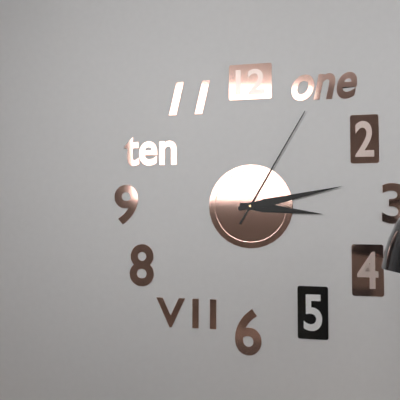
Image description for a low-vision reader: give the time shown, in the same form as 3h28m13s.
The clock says 3h13m05s
